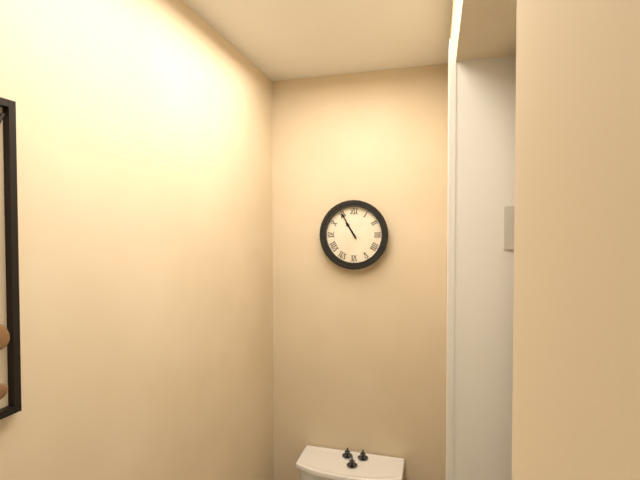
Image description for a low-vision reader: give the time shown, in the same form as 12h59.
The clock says 10h55
